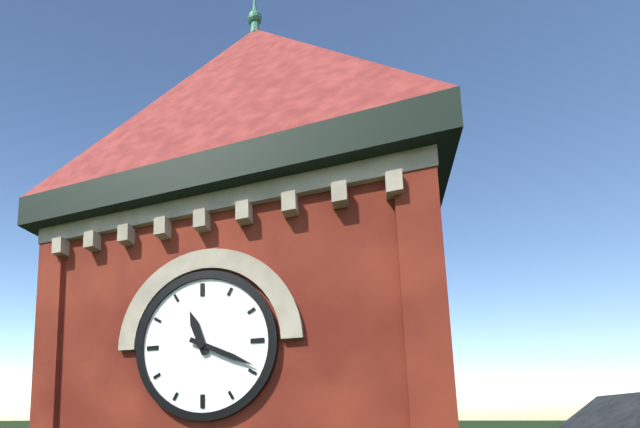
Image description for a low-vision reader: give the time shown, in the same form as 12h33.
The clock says 11h19
